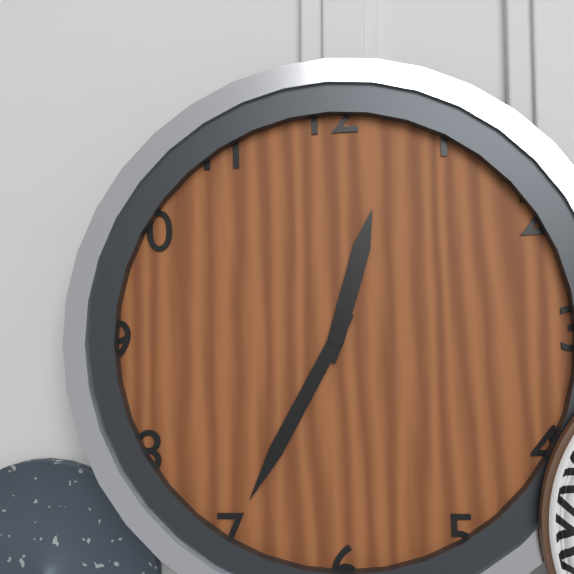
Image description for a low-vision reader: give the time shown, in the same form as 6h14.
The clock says 12h35
